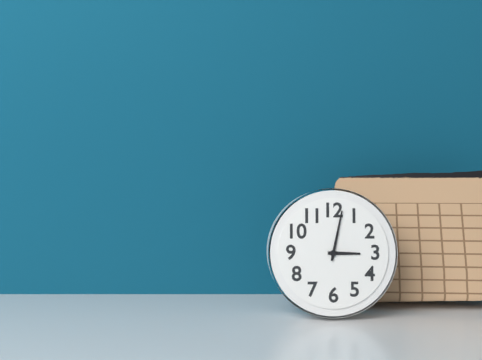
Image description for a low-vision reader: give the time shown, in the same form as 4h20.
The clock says 3h02
